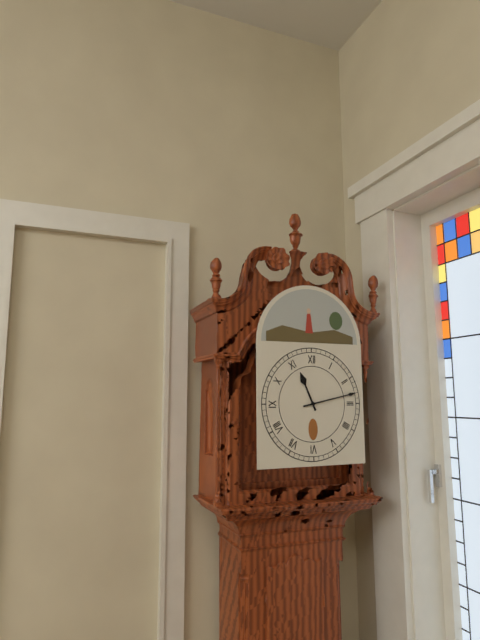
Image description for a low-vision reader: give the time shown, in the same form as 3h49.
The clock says 11h13
